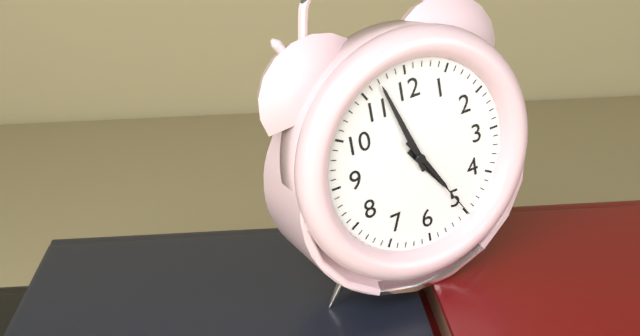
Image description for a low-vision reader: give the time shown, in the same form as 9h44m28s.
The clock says 4h57m25s
